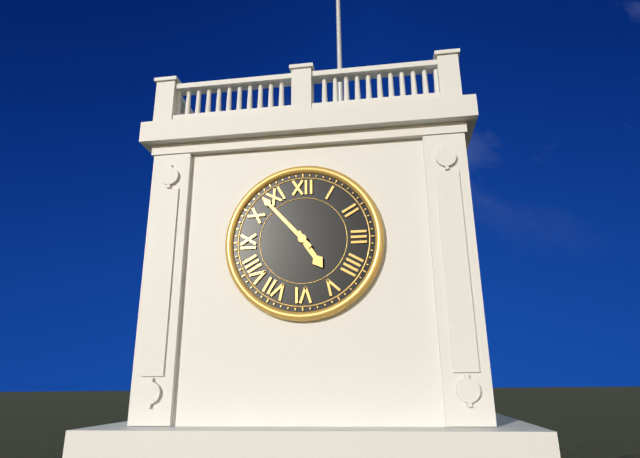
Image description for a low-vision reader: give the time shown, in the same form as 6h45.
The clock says 4h53
